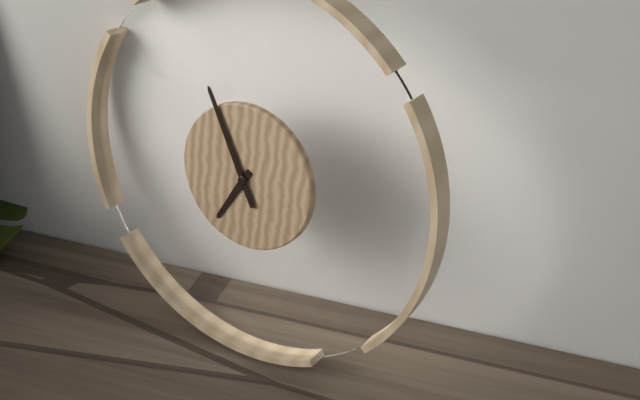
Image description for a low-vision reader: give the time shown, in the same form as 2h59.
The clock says 6h55
